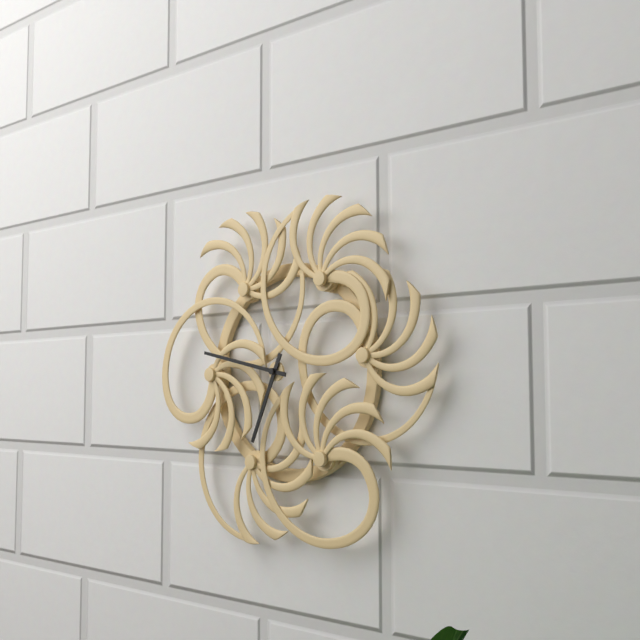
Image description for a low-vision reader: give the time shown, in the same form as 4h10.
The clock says 6h47
